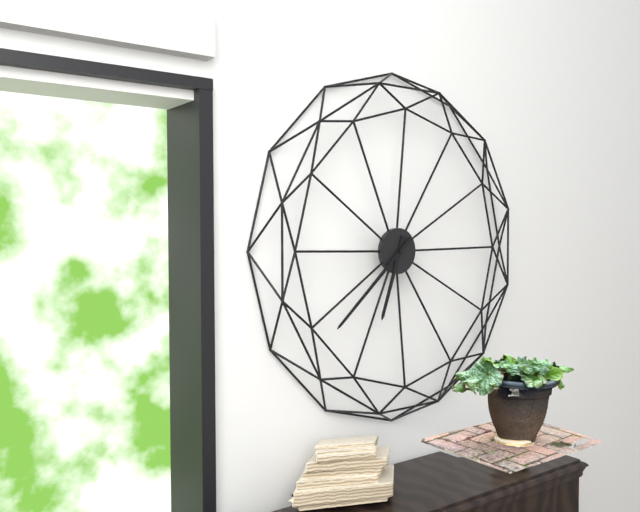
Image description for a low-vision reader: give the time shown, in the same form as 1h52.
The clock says 6h38
